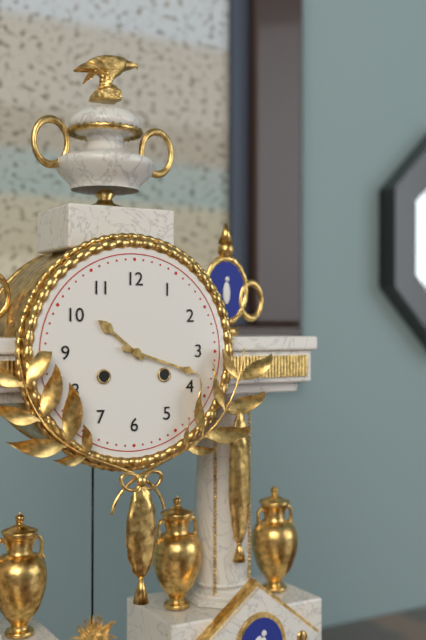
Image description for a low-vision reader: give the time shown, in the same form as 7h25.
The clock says 10h18
